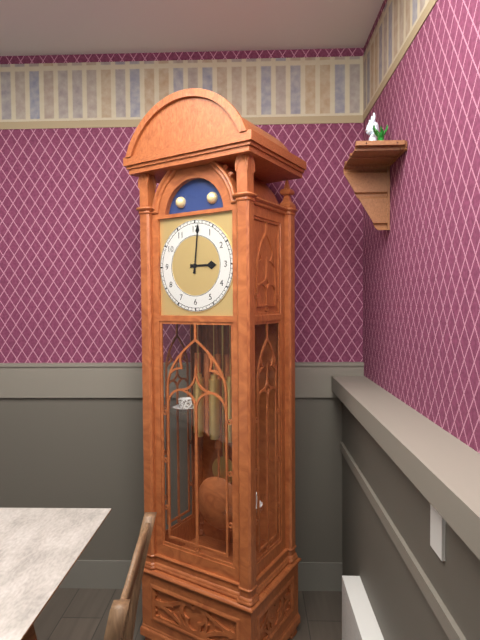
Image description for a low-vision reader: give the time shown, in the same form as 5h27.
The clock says 3h01
